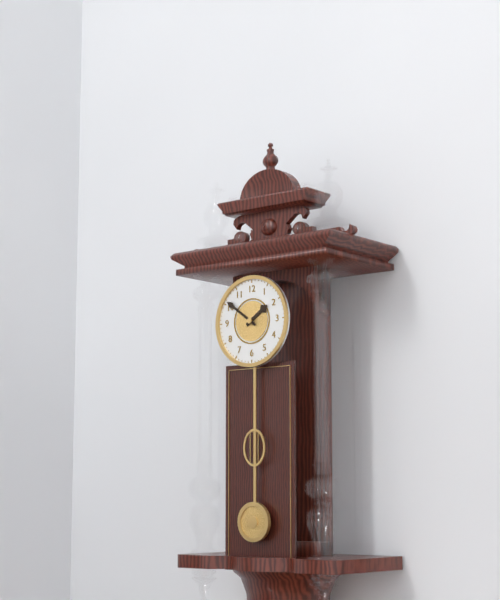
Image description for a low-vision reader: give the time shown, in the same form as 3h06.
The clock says 1h51
